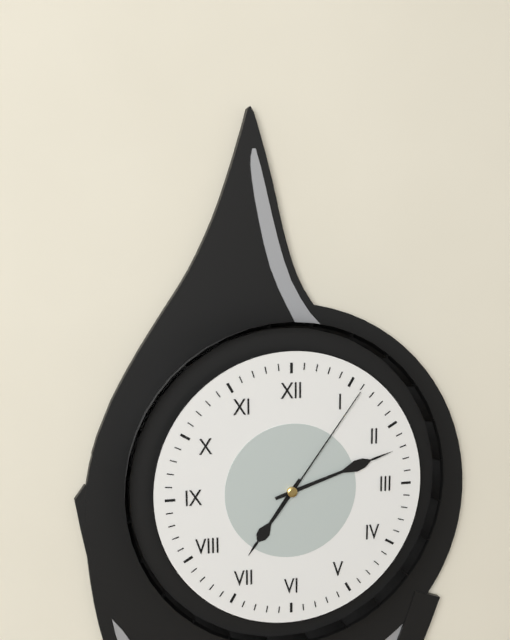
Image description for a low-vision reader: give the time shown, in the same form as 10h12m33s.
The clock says 7h12m06s
